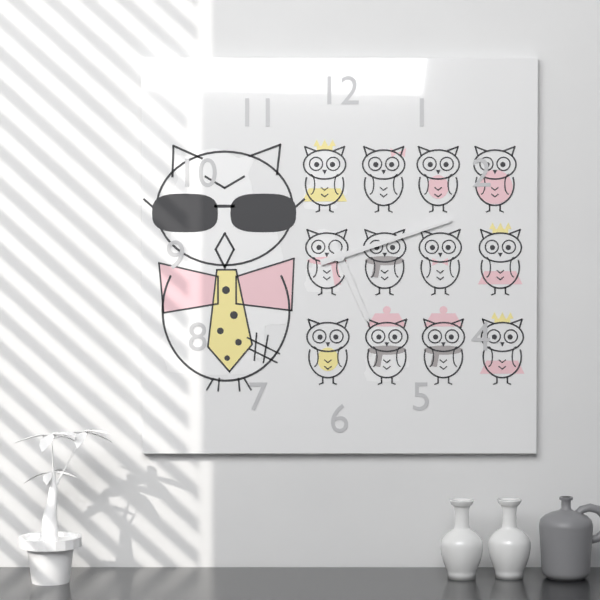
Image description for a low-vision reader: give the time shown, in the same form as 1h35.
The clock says 5h12
